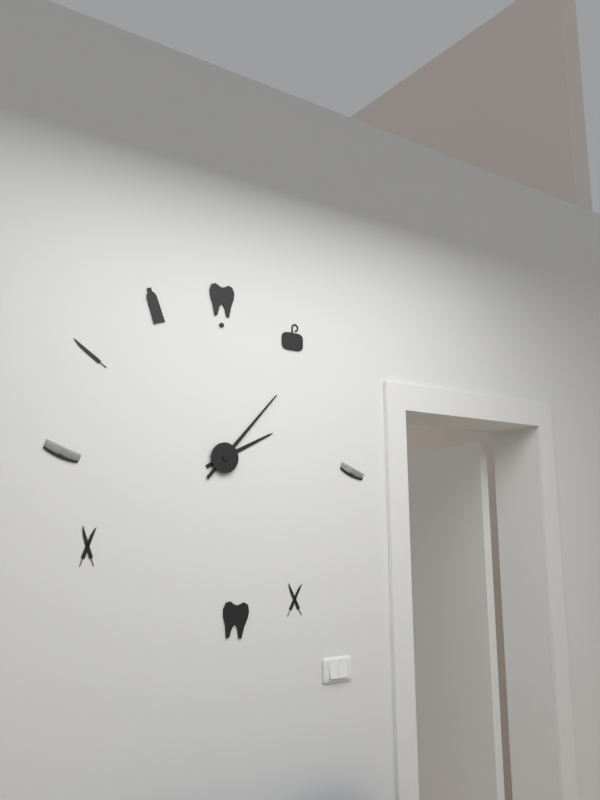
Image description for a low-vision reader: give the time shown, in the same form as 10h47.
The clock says 2h07
